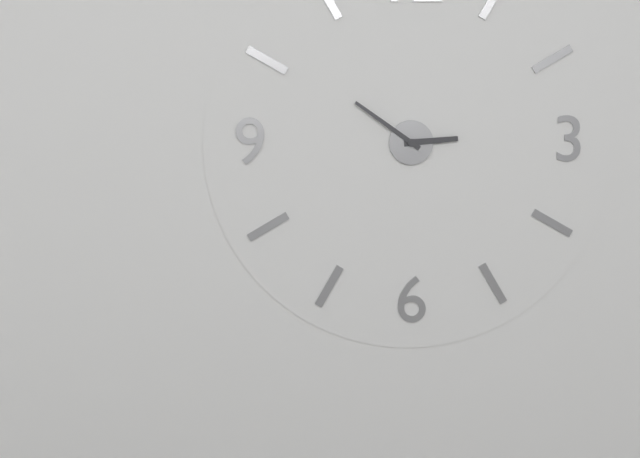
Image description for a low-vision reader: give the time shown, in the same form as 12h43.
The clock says 2h51
